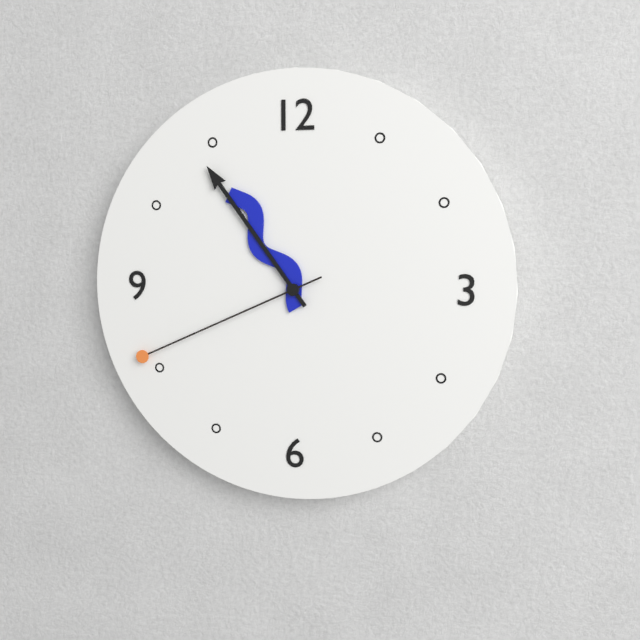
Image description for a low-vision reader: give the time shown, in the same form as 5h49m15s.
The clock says 10h54m41s
